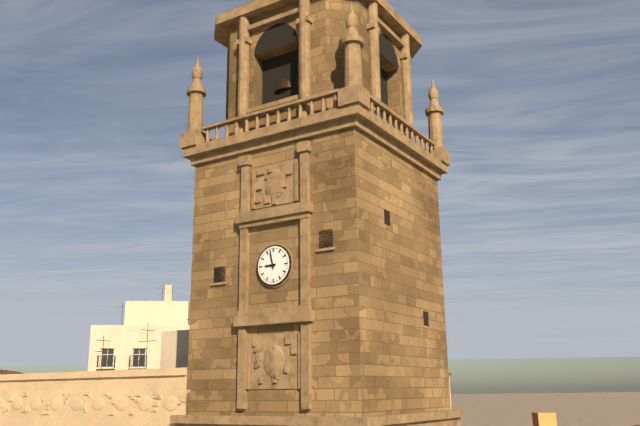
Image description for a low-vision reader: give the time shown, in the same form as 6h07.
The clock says 8h58
